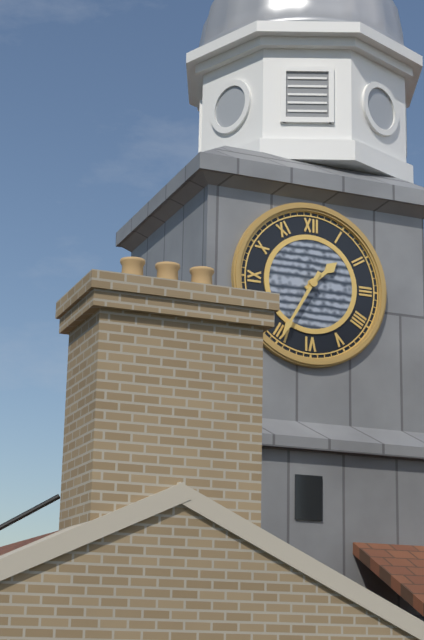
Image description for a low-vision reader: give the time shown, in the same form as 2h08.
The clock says 1h35
